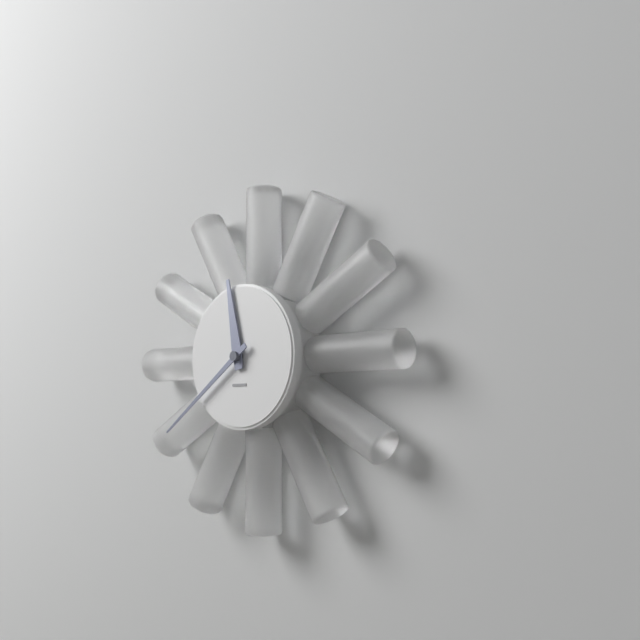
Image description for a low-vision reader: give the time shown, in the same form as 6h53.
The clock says 11h39
